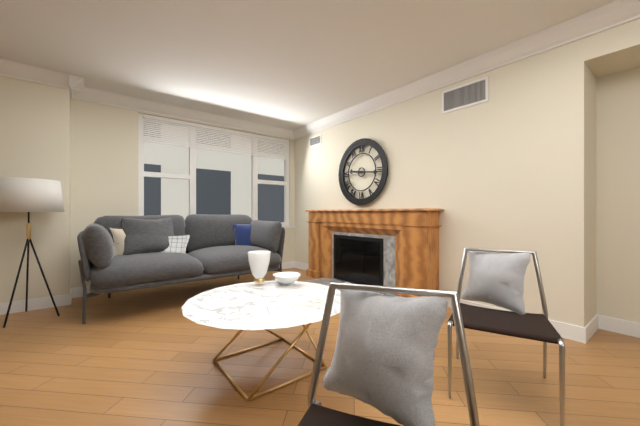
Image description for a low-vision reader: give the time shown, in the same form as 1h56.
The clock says 9h16
